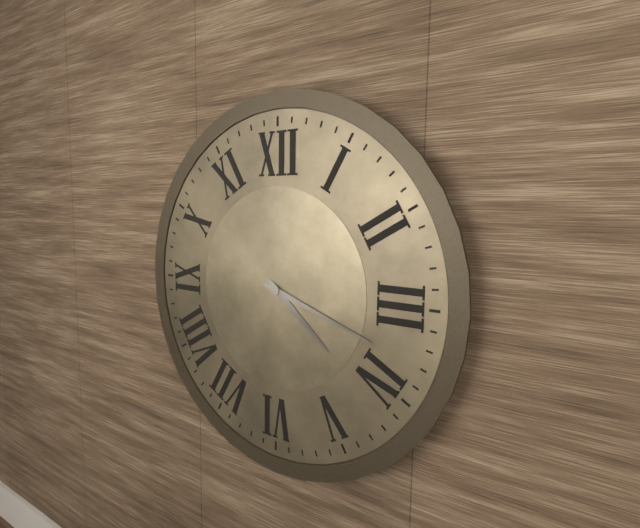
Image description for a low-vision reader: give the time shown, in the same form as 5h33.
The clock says 4h18
